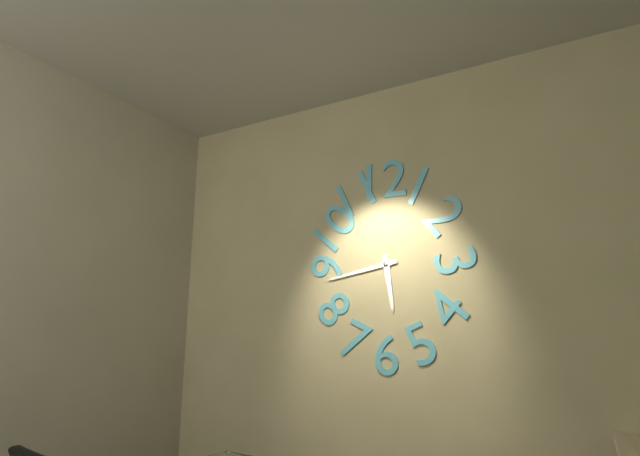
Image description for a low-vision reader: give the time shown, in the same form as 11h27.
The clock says 5h43
